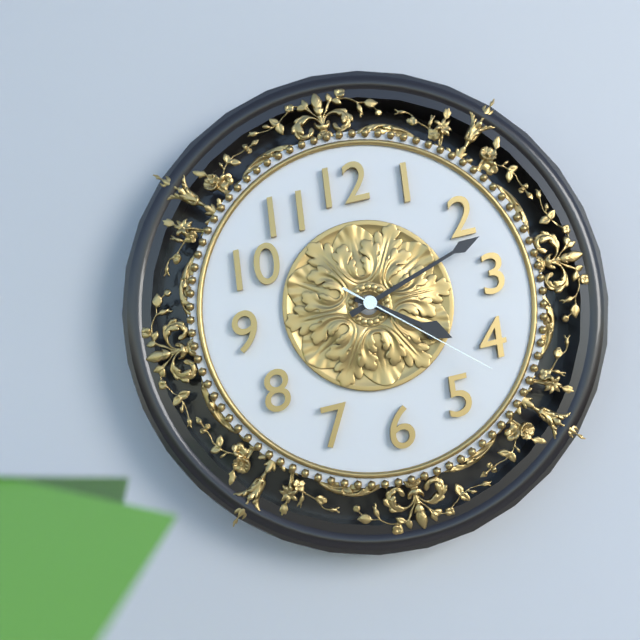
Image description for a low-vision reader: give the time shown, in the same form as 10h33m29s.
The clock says 4h12m22s
